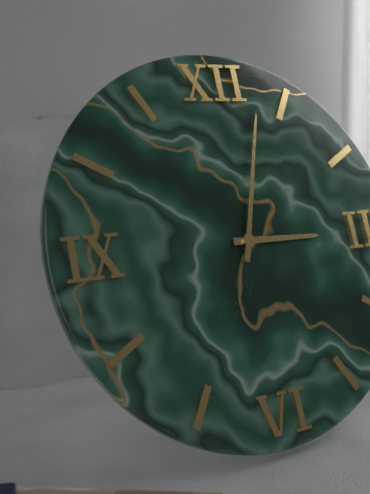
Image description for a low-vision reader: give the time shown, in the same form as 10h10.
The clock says 3h03
